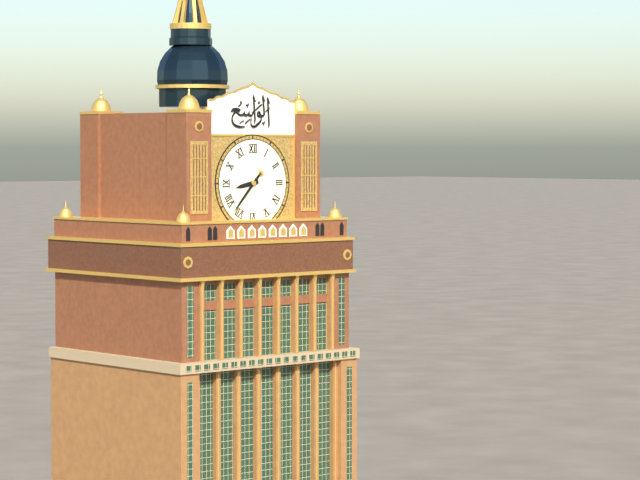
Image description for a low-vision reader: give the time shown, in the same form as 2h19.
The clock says 8h37
